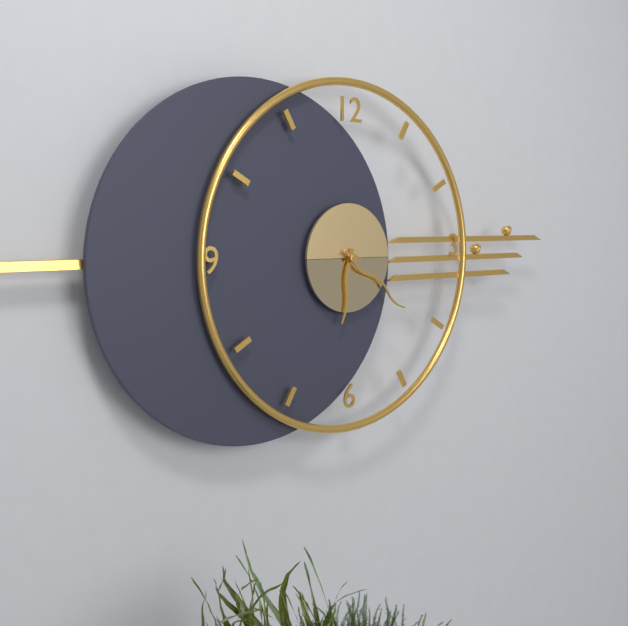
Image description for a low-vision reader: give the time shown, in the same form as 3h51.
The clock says 6h21
